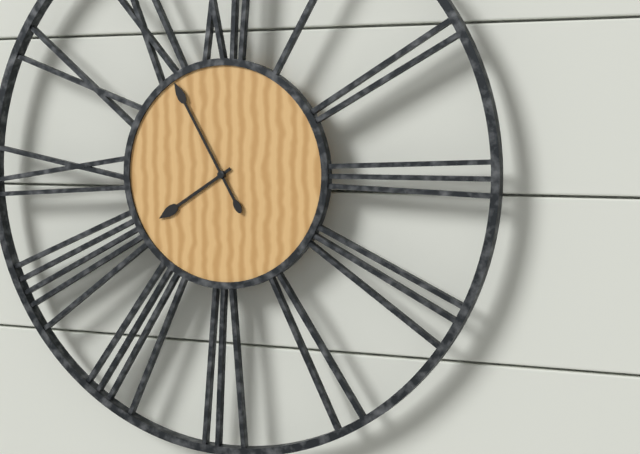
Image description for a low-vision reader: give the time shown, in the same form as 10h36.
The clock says 7h55
